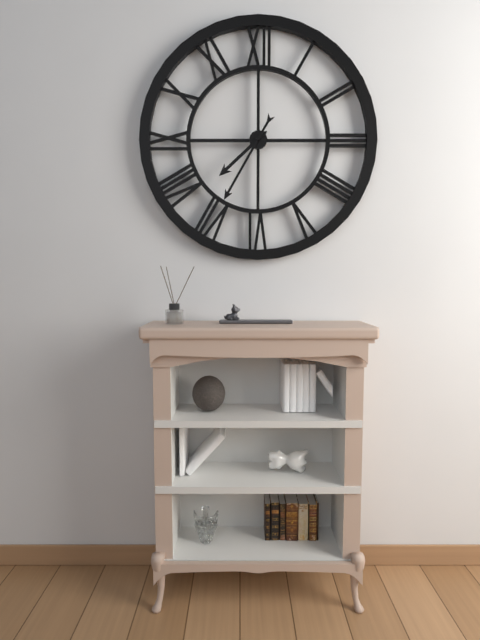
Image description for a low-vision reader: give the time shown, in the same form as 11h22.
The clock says 7h35
